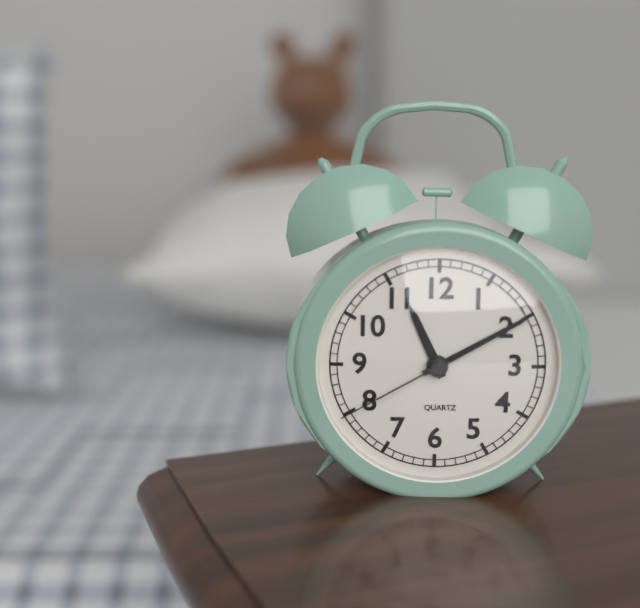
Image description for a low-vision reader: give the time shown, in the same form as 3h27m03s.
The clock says 11h10m40s
